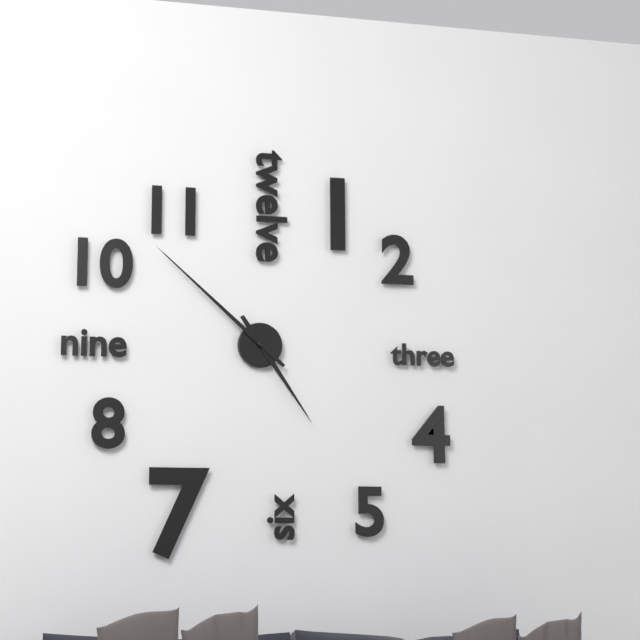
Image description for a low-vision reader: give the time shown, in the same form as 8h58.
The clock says 4h52
